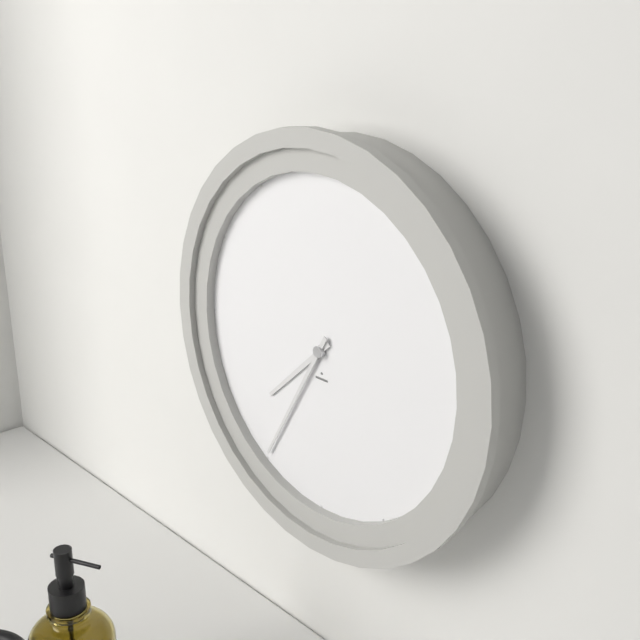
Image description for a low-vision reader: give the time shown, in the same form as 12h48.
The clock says 7h35
